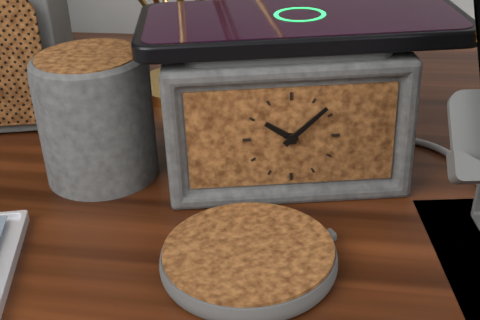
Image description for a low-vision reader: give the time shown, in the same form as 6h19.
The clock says 10h08
